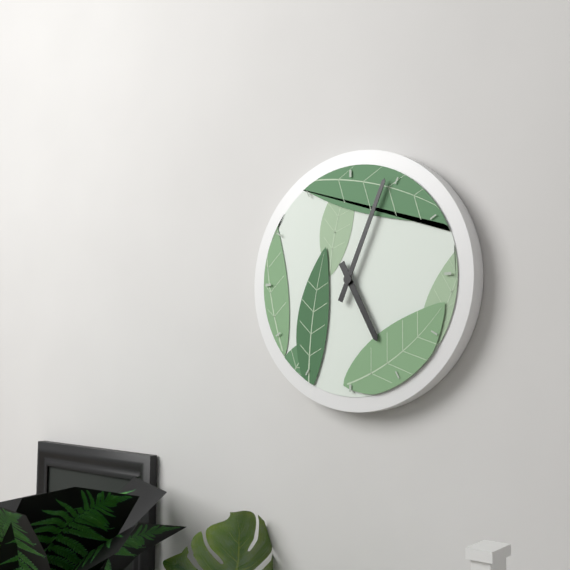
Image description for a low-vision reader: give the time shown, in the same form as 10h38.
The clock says 5h04
